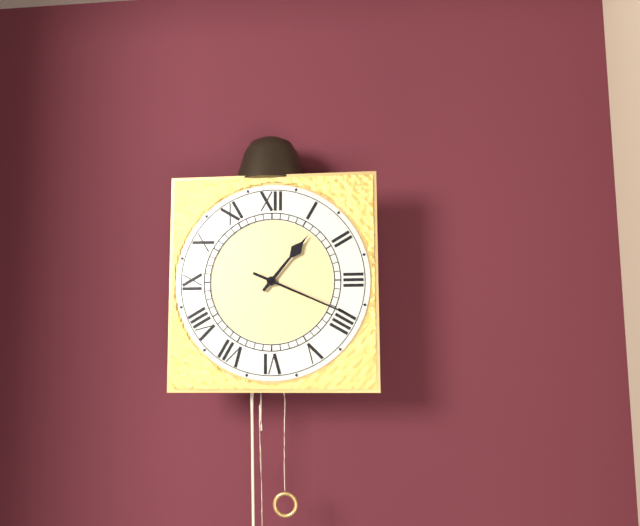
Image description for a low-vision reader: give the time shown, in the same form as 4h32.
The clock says 1h19
